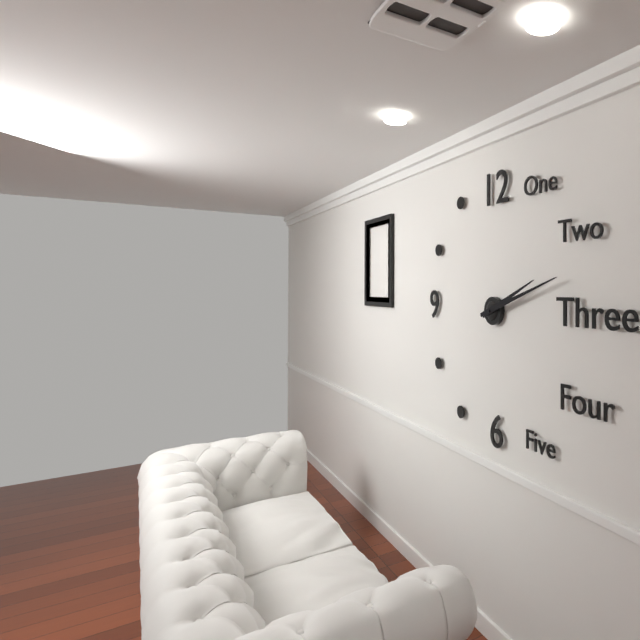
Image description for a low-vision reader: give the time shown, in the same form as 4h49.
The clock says 2h12
